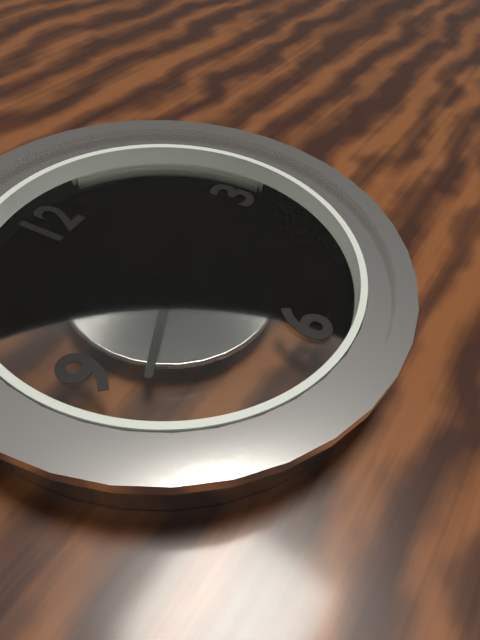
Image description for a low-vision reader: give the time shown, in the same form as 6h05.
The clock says 8h19
